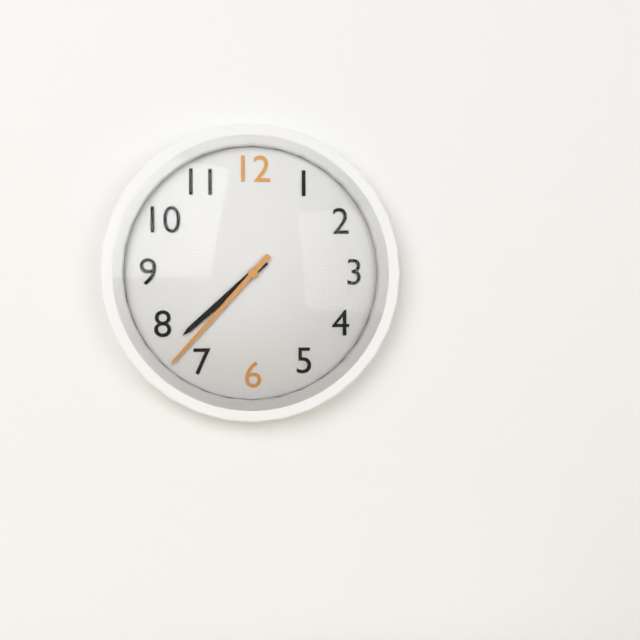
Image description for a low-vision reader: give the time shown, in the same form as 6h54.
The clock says 7h37
